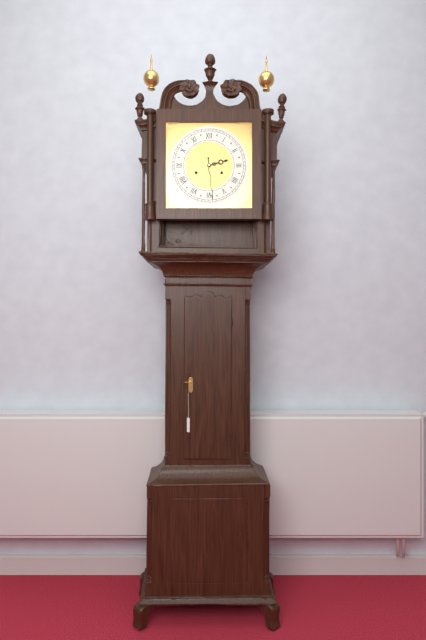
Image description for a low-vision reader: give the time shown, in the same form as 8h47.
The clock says 2h29
